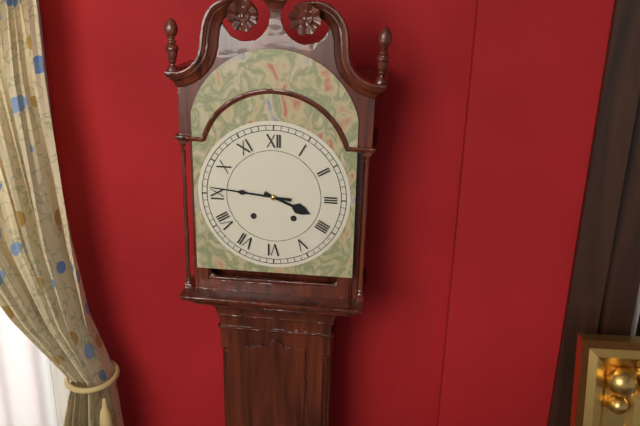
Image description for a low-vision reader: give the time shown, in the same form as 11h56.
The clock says 3h46
